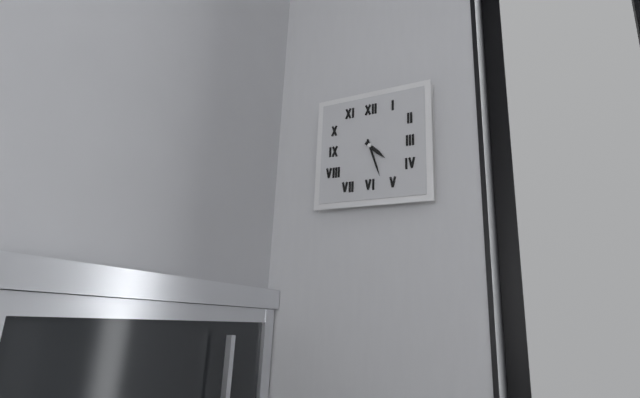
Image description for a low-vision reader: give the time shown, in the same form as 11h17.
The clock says 4h27
